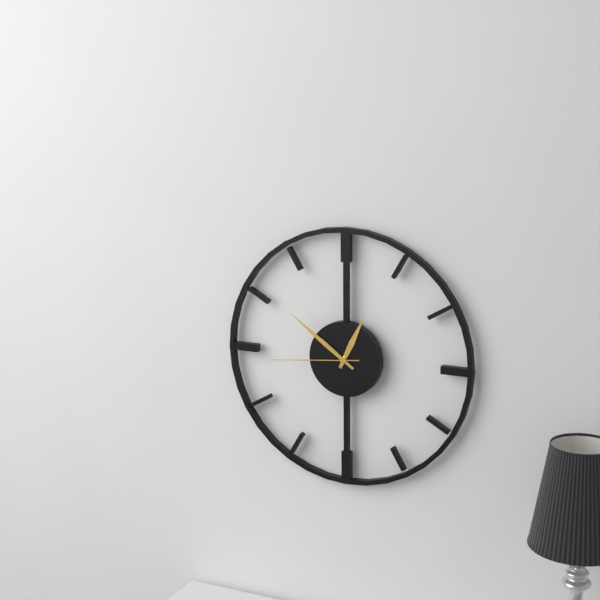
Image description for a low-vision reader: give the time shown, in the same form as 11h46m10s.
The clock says 12h51m44s
